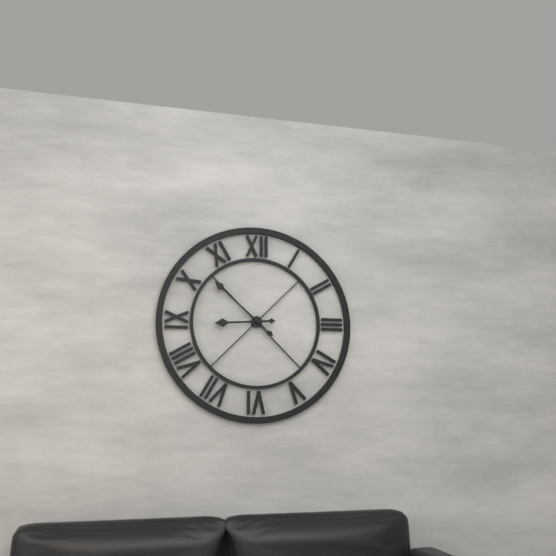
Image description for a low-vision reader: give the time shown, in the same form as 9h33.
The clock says 8h52
